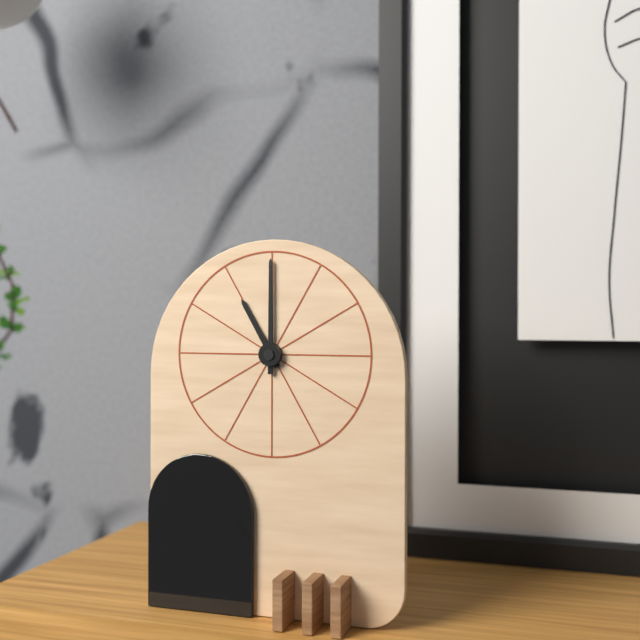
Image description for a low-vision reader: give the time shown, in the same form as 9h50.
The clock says 11h00
